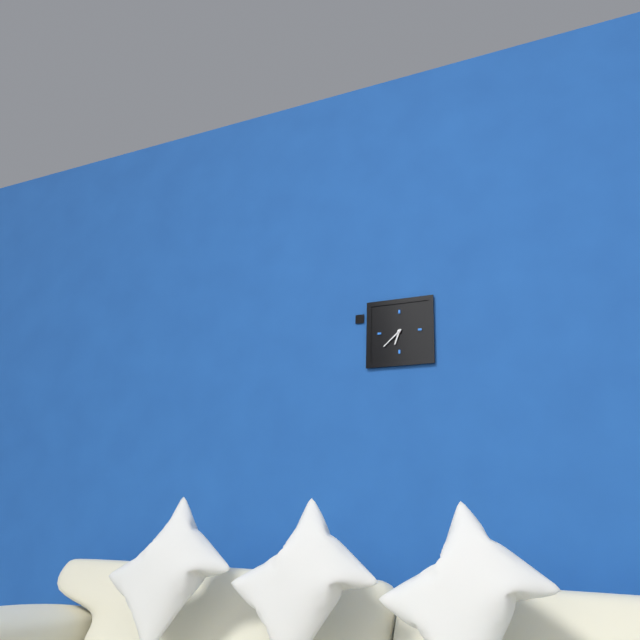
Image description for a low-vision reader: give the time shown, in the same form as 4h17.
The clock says 6h38
